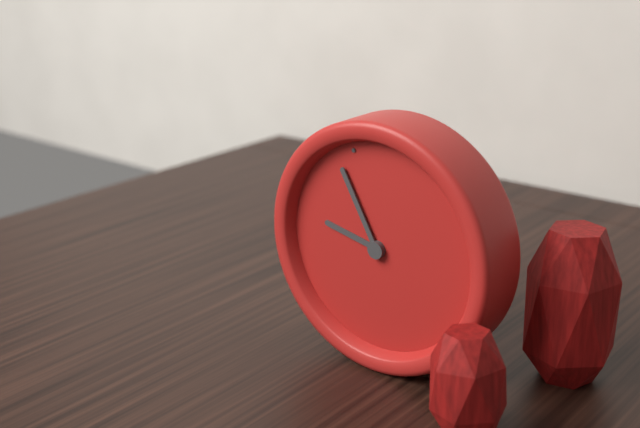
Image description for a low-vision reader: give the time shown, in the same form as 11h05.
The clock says 9h58
